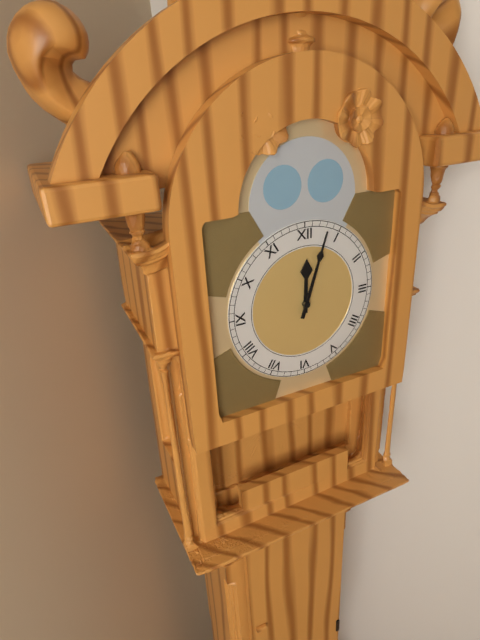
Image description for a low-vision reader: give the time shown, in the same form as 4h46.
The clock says 12h03
